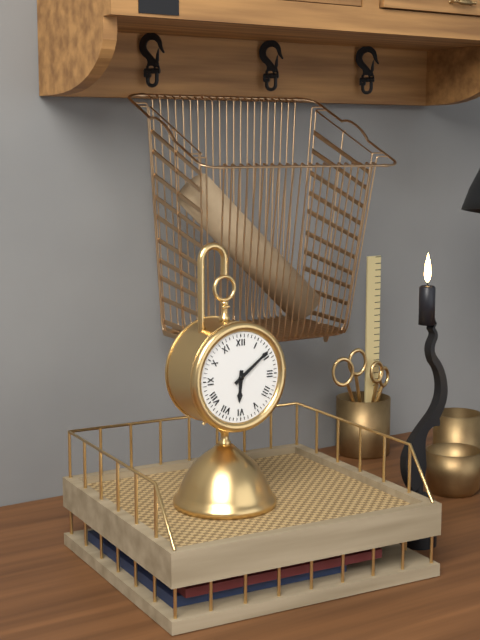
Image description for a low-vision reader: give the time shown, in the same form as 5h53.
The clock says 6h09
